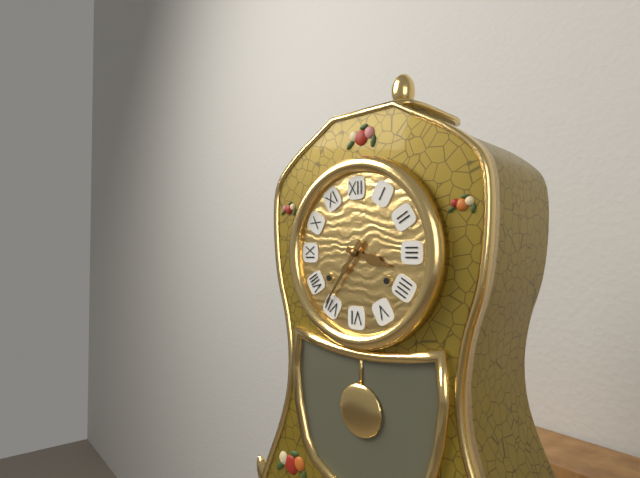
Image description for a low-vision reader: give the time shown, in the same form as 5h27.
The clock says 3h36
